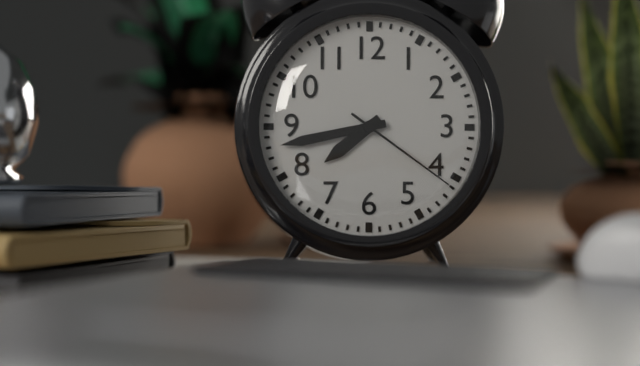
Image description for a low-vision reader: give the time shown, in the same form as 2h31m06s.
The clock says 7h43m21s
